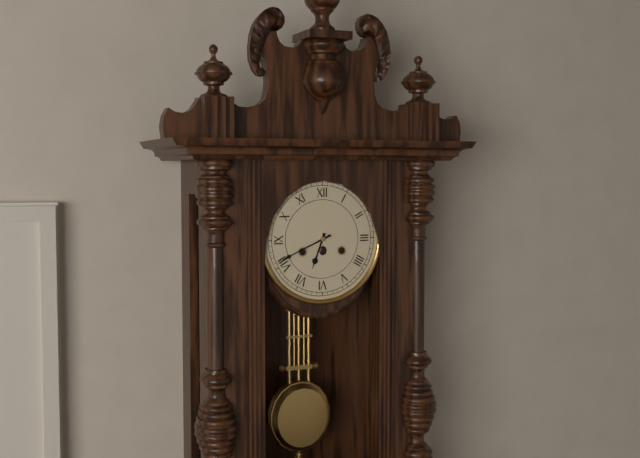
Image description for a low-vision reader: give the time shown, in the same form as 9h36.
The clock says 6h41
